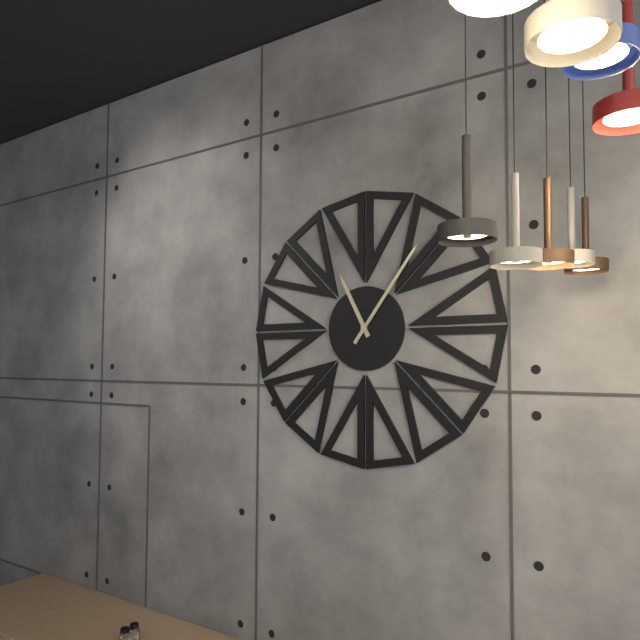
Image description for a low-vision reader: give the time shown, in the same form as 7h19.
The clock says 11h06
